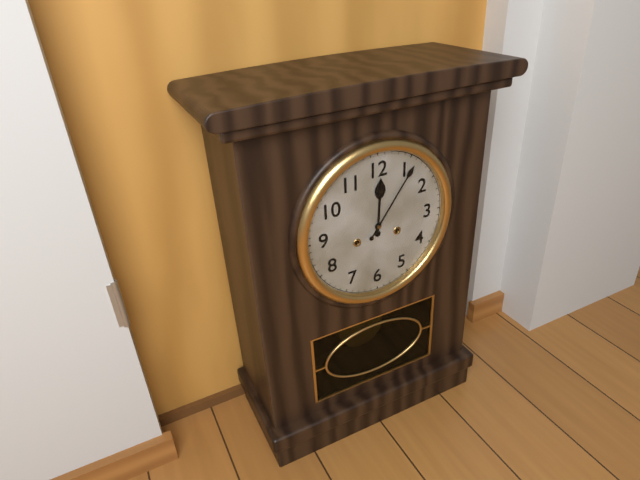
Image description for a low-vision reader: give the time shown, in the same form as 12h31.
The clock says 12h06
